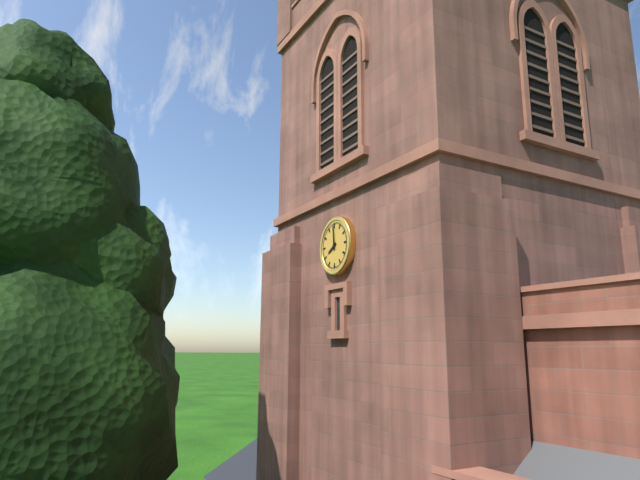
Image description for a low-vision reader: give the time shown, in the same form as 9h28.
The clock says 7h59
